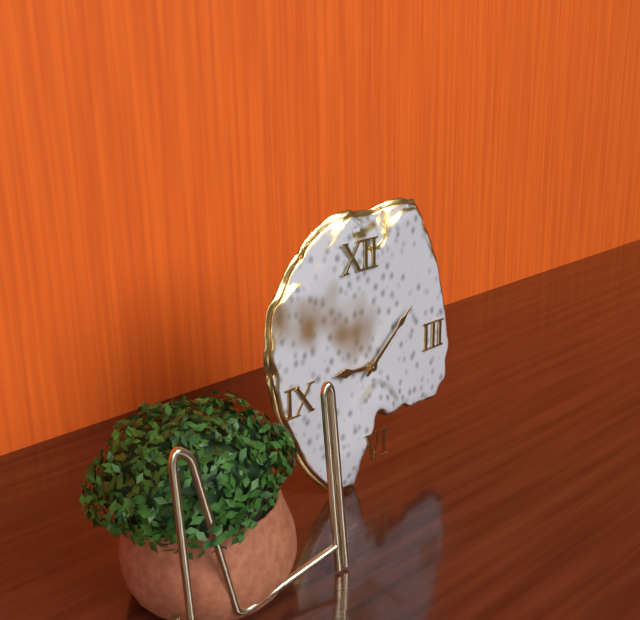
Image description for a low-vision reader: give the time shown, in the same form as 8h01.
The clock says 9h08
